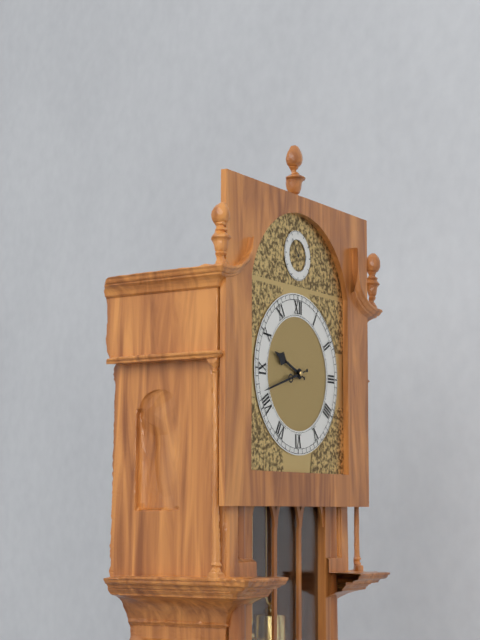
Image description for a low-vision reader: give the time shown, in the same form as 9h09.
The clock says 9h42
